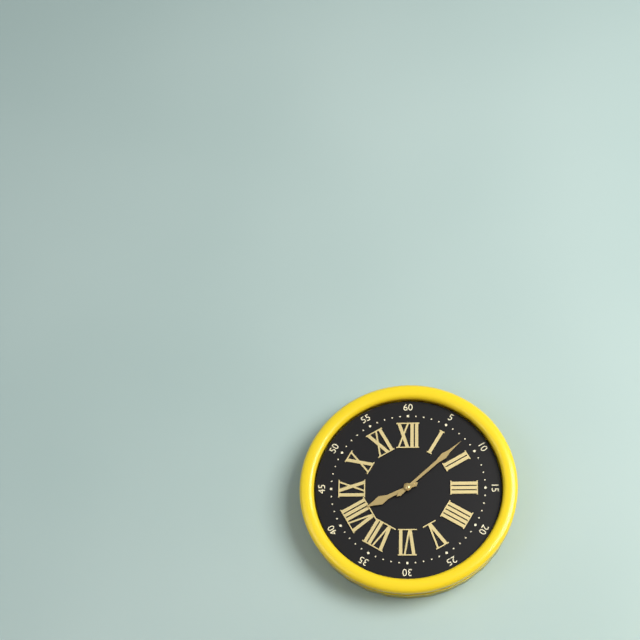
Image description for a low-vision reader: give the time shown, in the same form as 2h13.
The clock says 8h08
